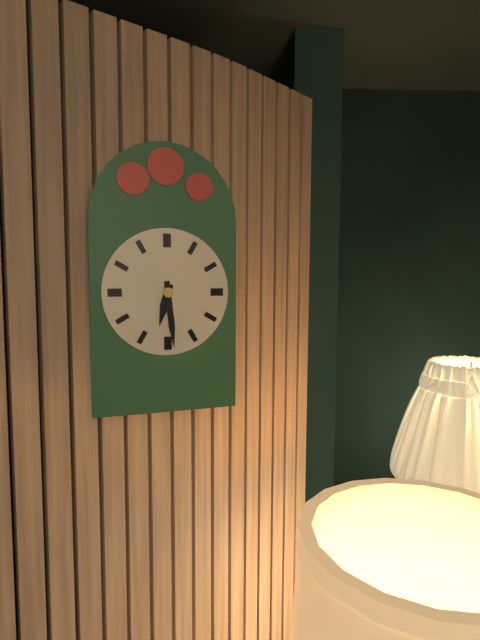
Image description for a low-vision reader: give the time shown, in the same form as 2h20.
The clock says 6h29
